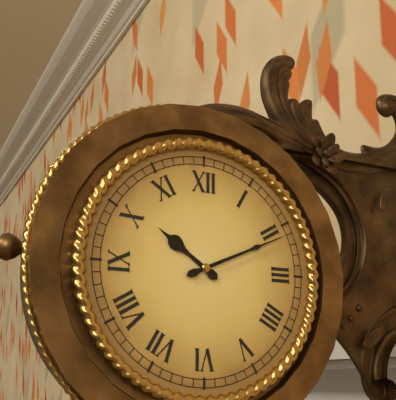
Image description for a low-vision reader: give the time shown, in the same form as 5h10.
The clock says 10h11
